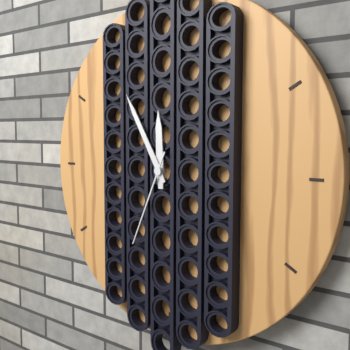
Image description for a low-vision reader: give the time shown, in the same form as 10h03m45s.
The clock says 11h55m34s
